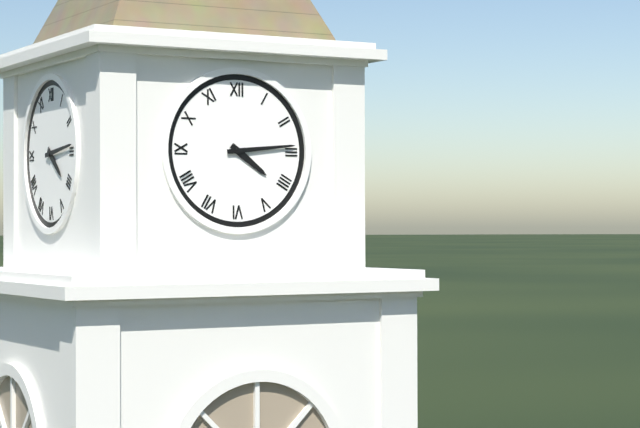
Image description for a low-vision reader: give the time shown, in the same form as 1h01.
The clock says 4h14
